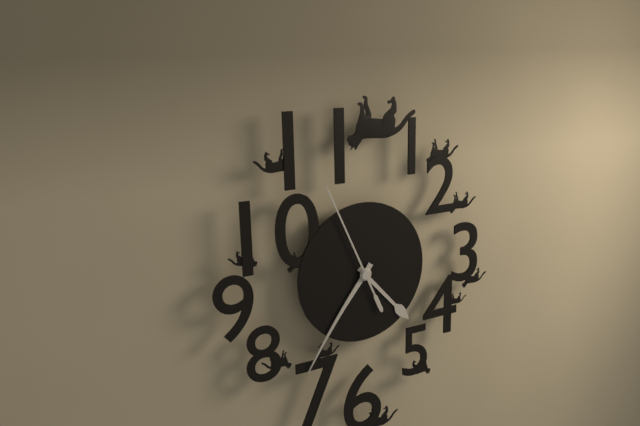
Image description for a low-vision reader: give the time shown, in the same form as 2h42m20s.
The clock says 4h36m56s
